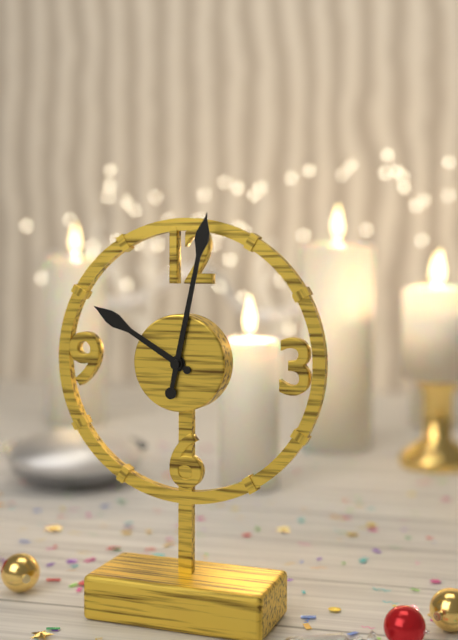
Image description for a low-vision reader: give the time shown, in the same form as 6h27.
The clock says 10h02
